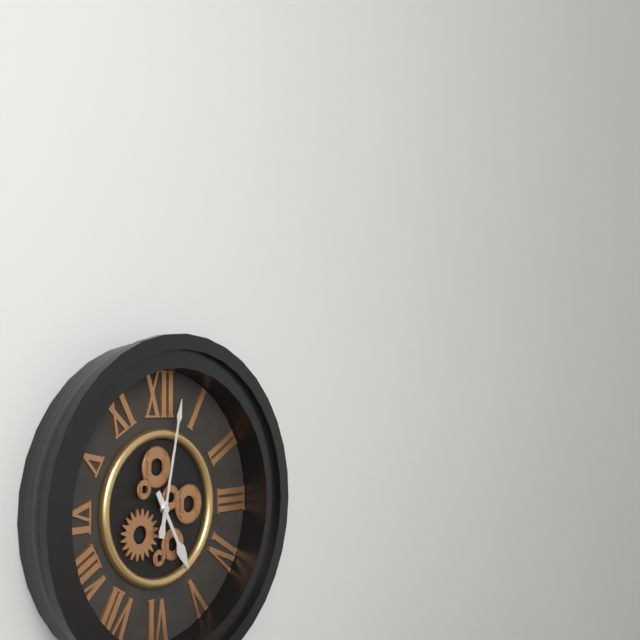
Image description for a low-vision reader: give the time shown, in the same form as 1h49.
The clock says 5h02
